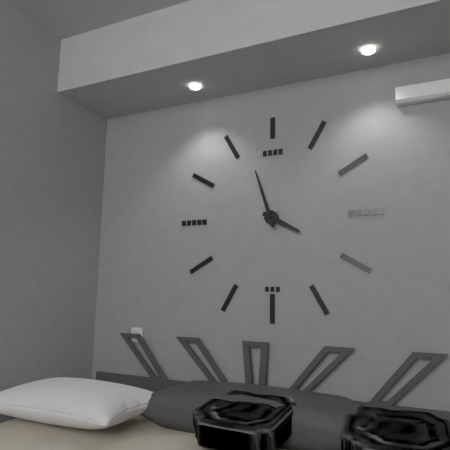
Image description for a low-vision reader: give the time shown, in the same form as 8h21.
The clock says 3h57
